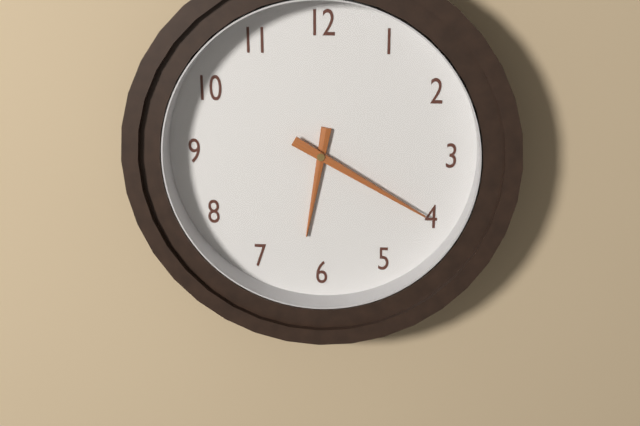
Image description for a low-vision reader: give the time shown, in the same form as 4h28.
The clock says 6h20
